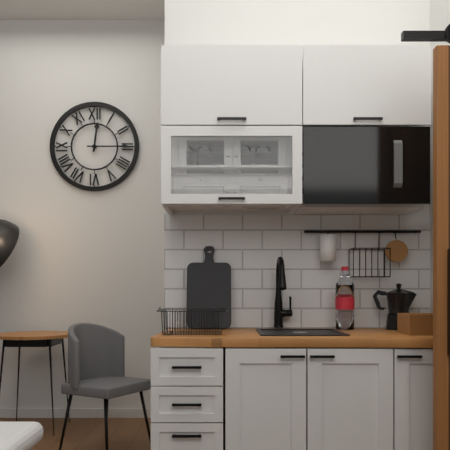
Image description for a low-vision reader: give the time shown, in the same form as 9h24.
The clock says 12h15
